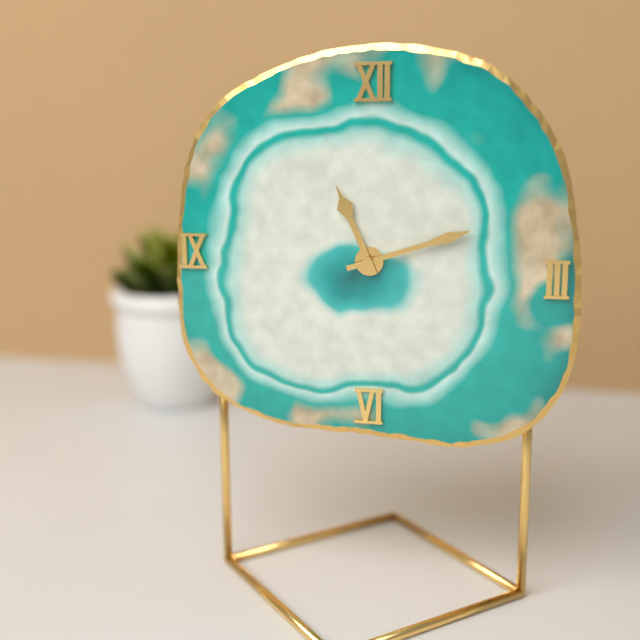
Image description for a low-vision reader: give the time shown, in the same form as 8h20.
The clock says 11h12
